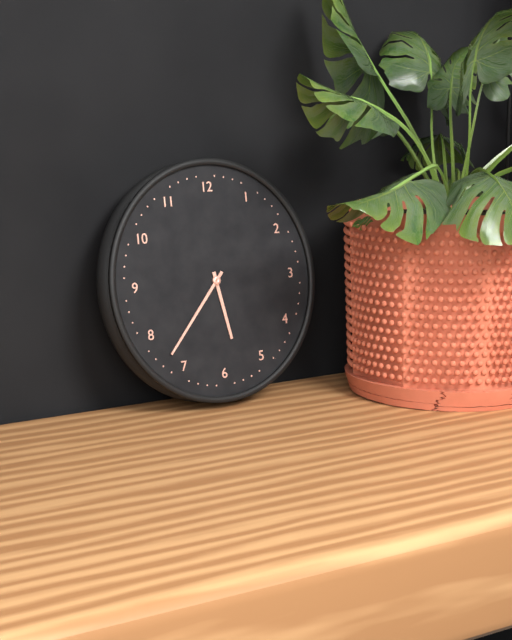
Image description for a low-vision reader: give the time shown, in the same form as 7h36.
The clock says 5h37
